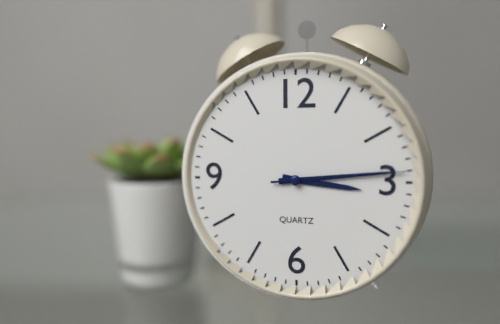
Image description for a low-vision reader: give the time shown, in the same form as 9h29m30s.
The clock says 3h14m14s
